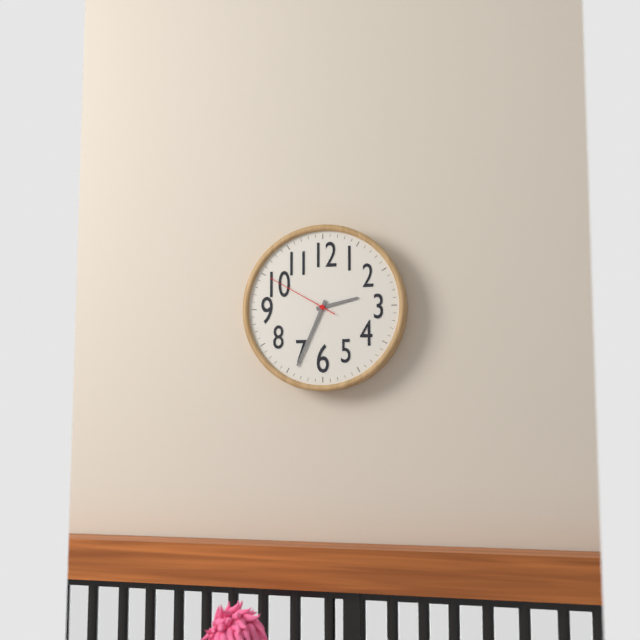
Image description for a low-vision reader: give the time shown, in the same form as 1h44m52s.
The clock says 2h34m50s
